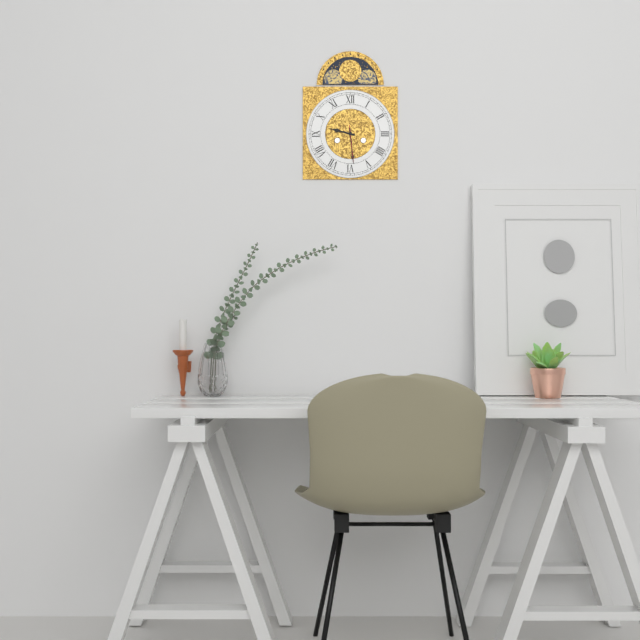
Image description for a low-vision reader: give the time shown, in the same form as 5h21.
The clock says 9h29
